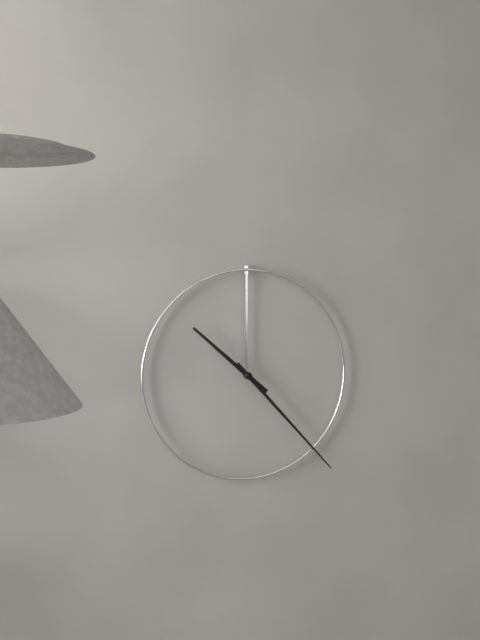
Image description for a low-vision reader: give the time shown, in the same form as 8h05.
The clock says 10h23
